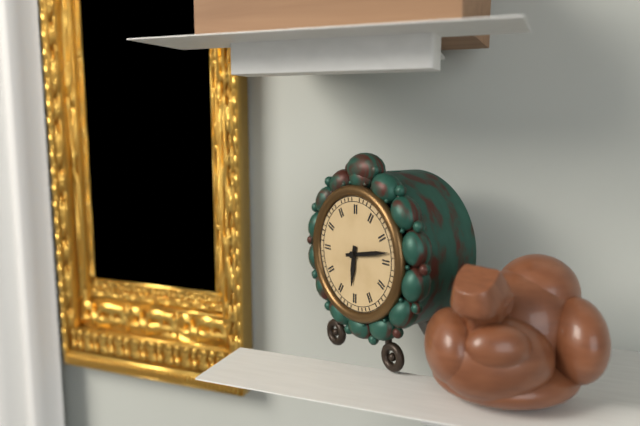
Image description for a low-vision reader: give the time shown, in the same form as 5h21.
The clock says 6h13
